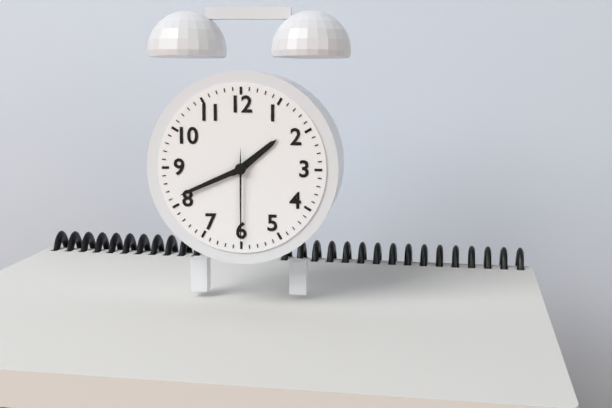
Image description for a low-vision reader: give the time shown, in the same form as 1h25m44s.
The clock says 1h41m30s
